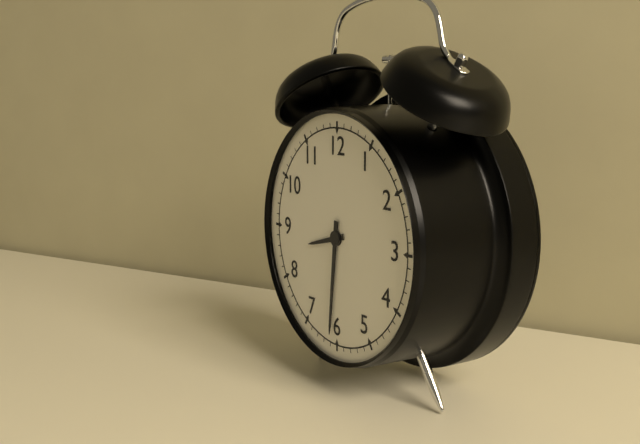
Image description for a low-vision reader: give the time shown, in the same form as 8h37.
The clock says 8h31
